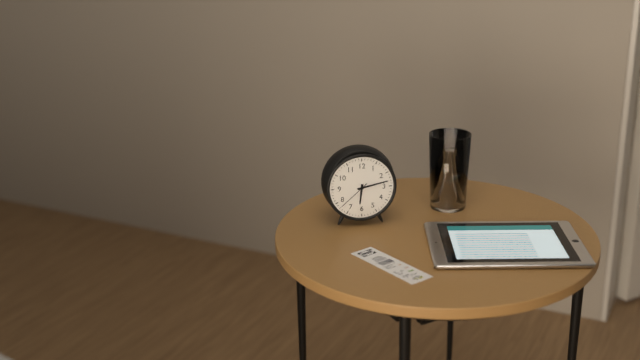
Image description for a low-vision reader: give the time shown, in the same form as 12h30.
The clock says 6h13
